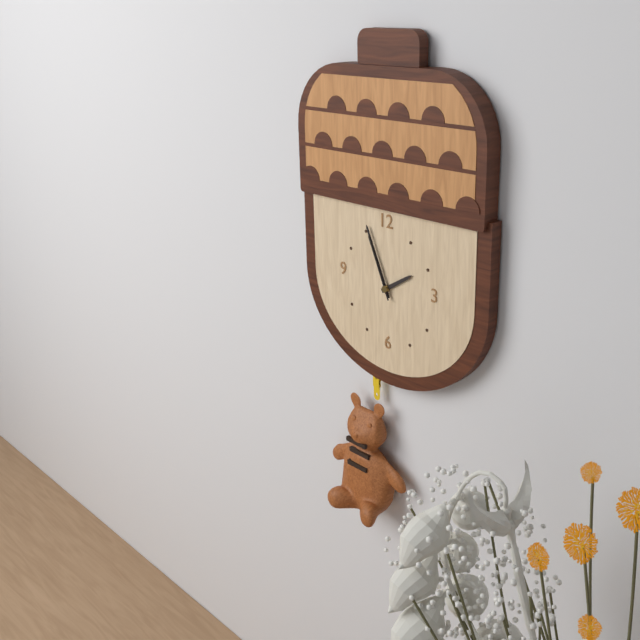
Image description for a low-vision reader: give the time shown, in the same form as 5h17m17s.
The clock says 1h56m56s
